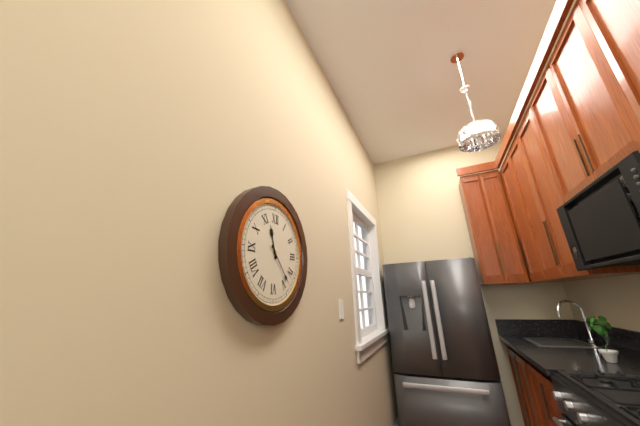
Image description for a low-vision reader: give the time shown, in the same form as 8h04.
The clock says 11h23
